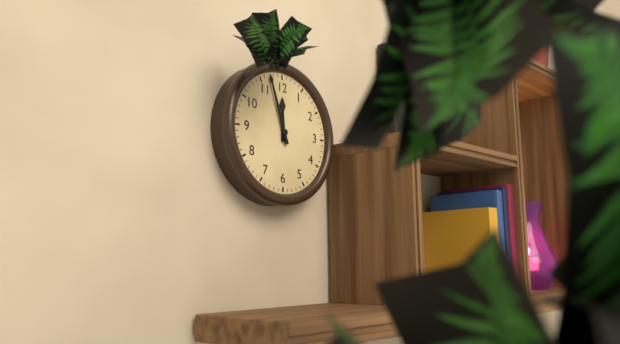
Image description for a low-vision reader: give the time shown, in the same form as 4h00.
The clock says 11h57
